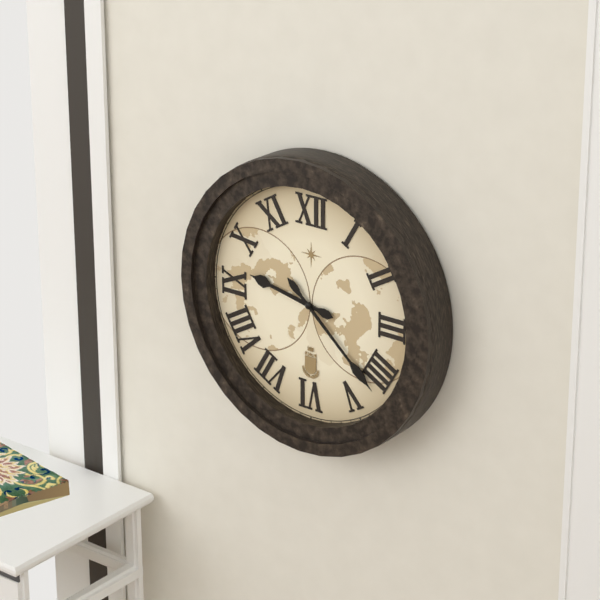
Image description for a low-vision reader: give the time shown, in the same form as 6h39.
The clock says 9h22
